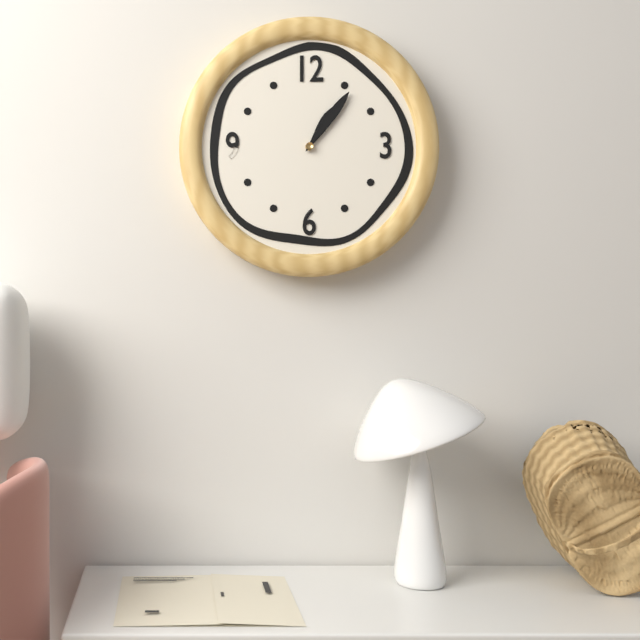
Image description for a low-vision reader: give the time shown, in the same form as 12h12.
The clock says 1h06
